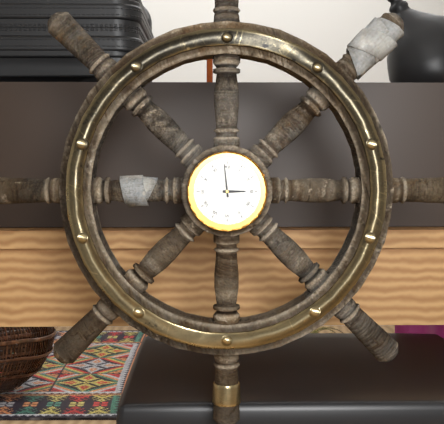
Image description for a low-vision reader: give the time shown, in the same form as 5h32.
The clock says 2h59
